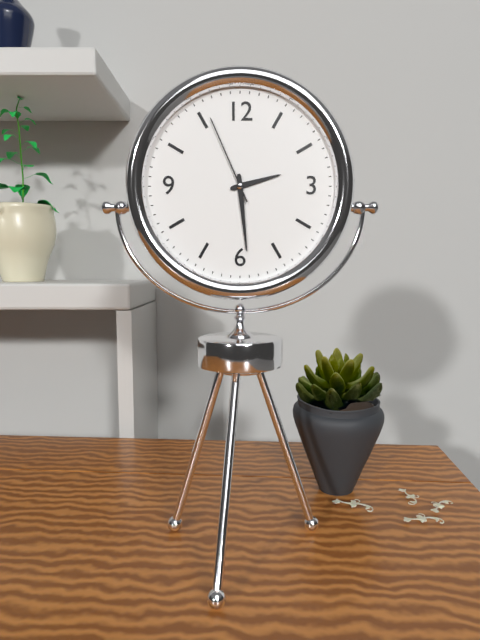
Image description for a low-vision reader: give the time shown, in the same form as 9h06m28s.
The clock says 2h29m56s
